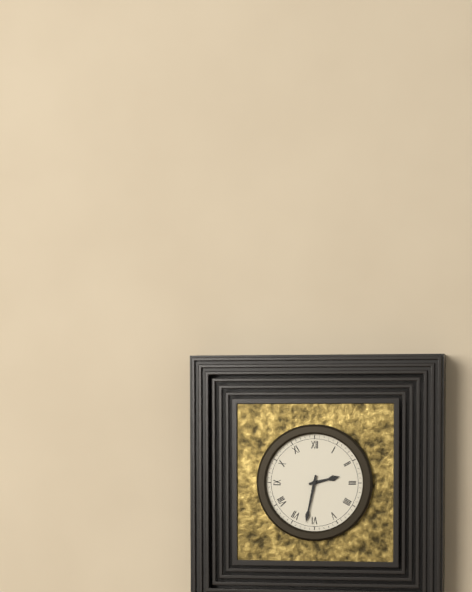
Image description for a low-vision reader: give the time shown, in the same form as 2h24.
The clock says 2h32
